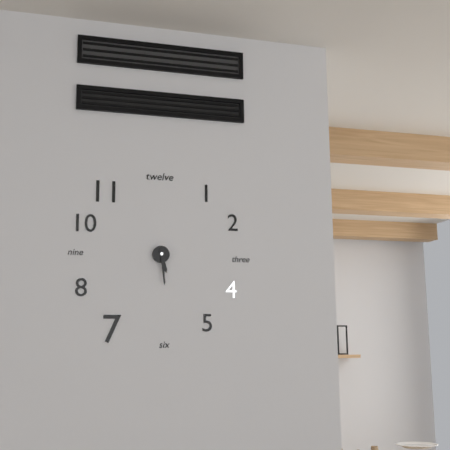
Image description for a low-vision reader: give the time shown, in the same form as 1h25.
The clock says 5h29
